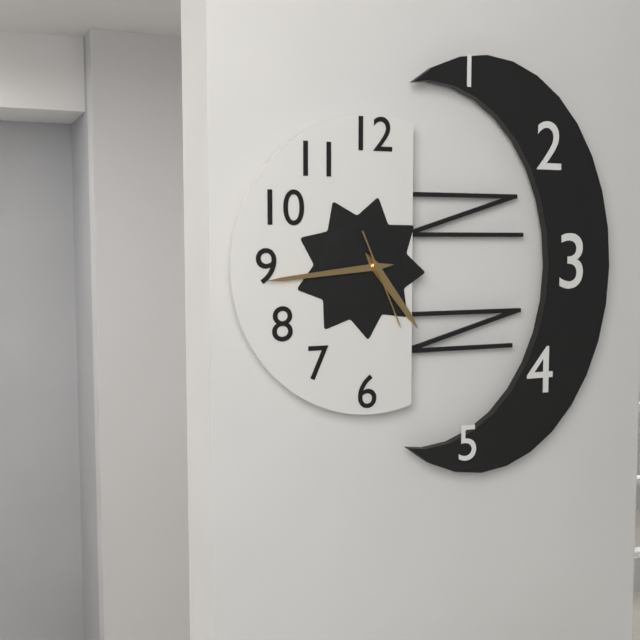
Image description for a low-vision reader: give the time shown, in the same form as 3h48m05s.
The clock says 4h44m26s
